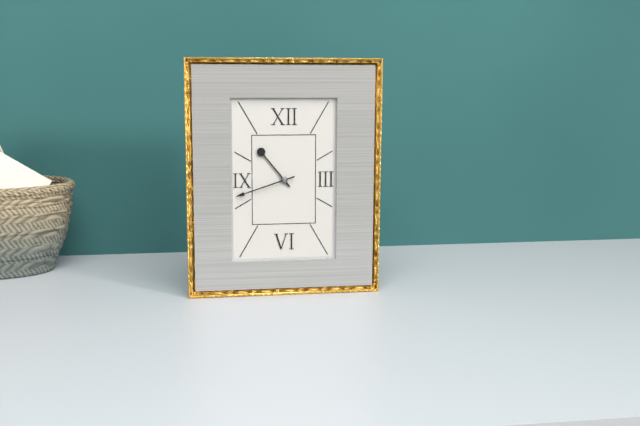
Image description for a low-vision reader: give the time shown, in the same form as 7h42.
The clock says 10h42
